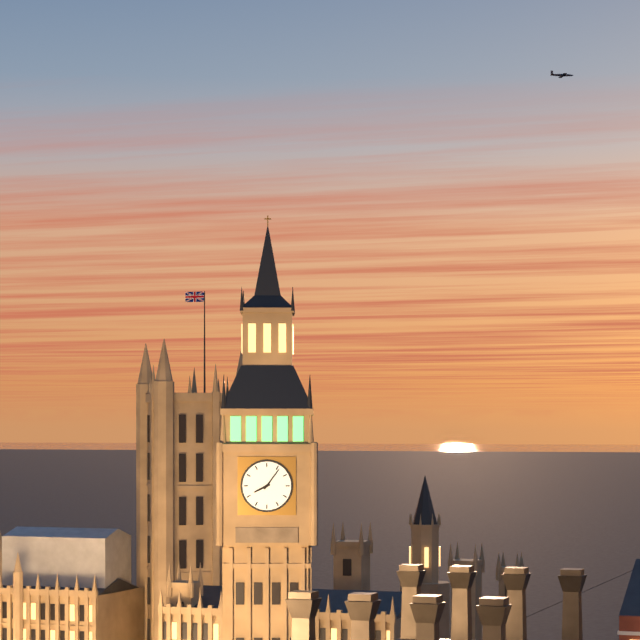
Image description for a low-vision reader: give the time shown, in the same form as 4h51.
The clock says 8h06
